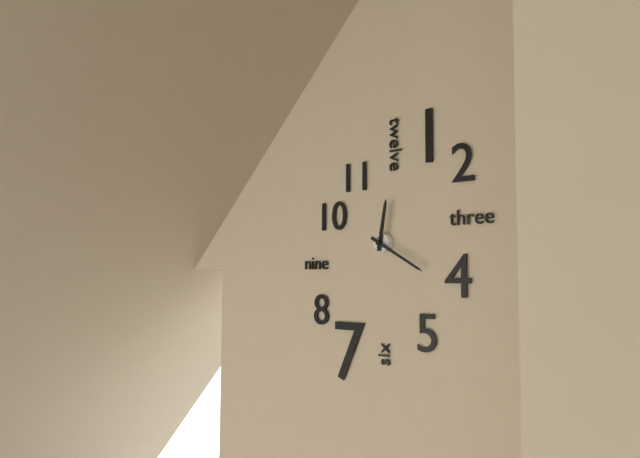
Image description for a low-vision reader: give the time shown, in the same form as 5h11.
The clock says 12h20
